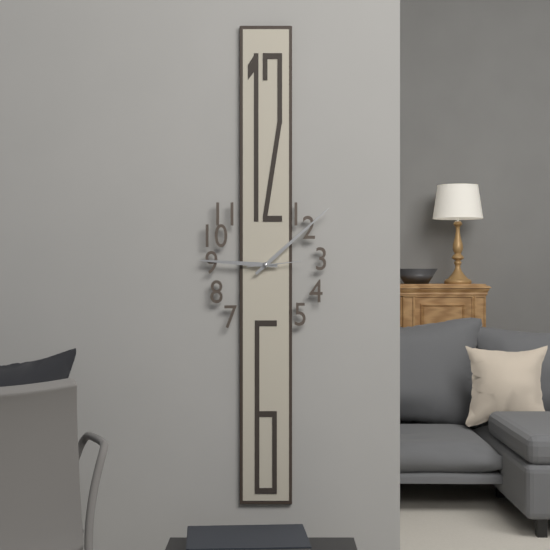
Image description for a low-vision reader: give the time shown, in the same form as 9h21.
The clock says 9h08
